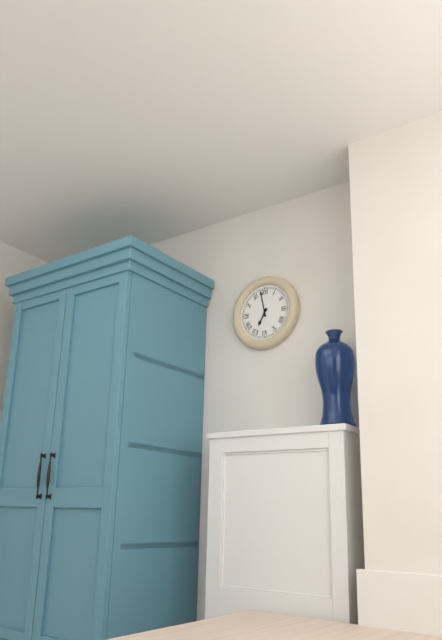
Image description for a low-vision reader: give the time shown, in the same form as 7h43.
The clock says 6h58
